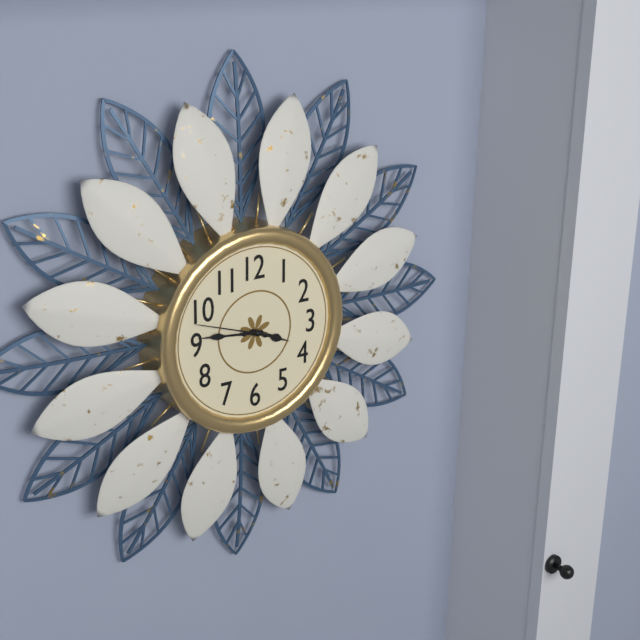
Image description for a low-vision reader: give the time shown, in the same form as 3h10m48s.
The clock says 3h46m48s
